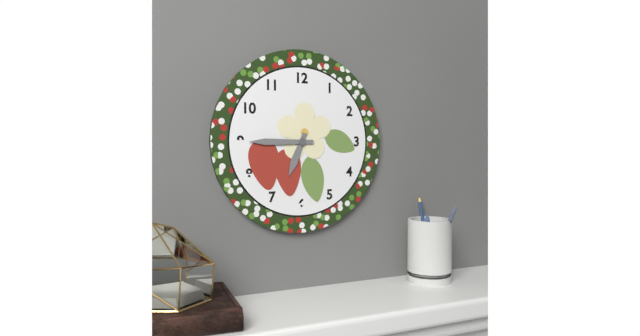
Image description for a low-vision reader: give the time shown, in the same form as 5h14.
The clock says 6h45
